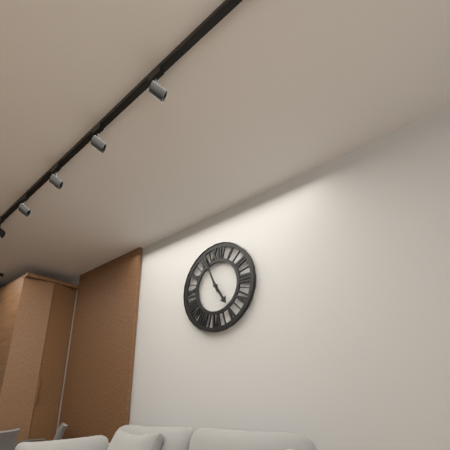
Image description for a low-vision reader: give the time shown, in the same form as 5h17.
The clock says 4h56
